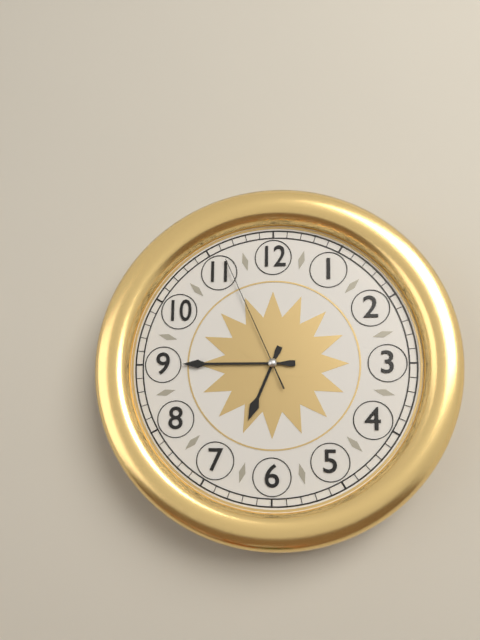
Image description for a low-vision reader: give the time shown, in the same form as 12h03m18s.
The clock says 6h45m56s
